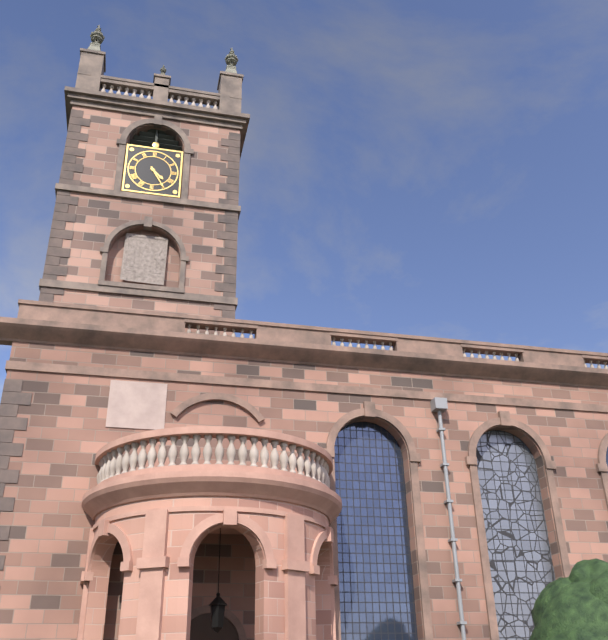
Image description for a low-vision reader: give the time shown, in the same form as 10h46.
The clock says 4h25
